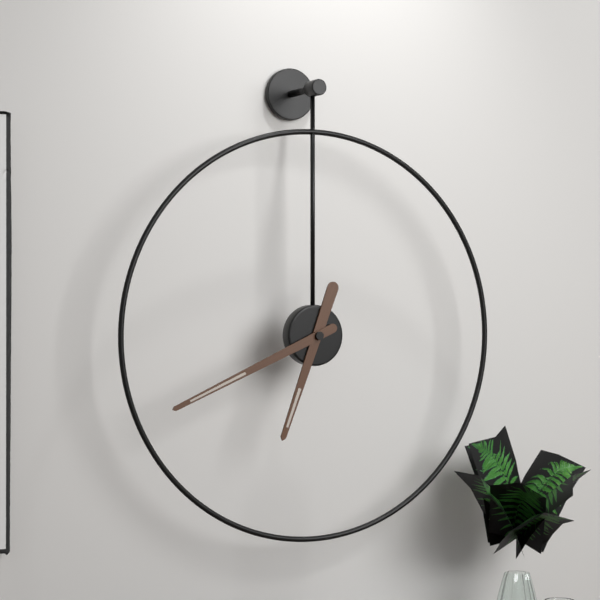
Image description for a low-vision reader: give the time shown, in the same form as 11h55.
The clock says 6h41
